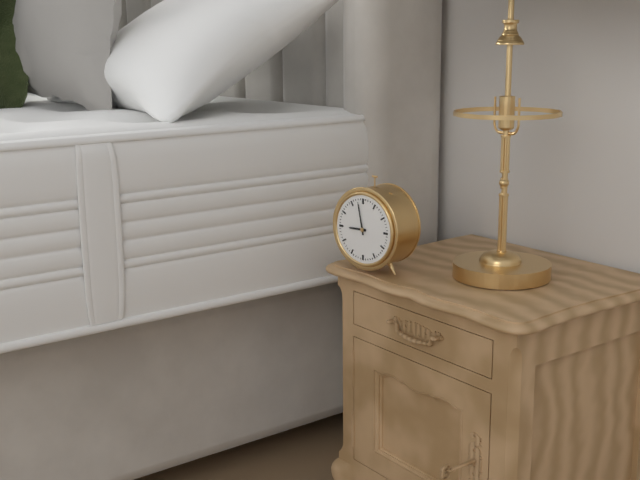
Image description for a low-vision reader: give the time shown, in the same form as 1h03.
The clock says 8h58
